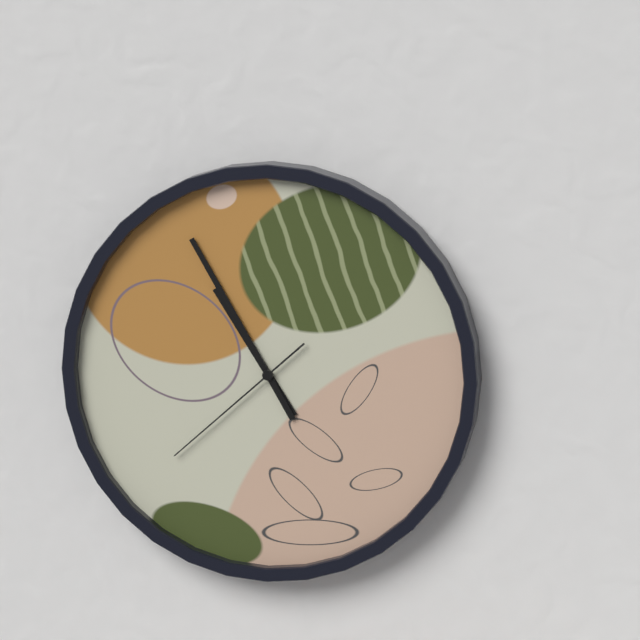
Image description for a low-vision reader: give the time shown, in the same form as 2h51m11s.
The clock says 10h55m38s
